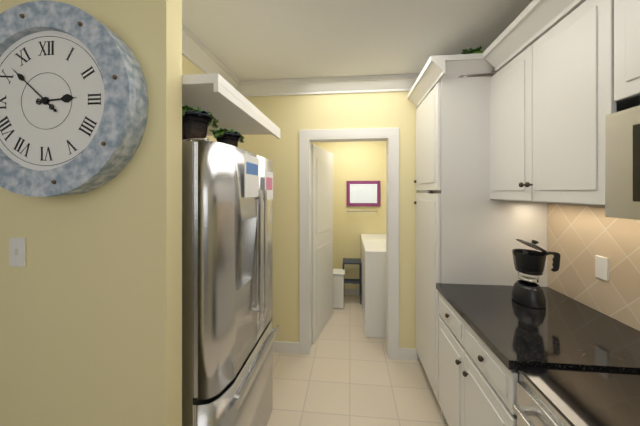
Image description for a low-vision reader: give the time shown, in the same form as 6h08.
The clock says 2h52
